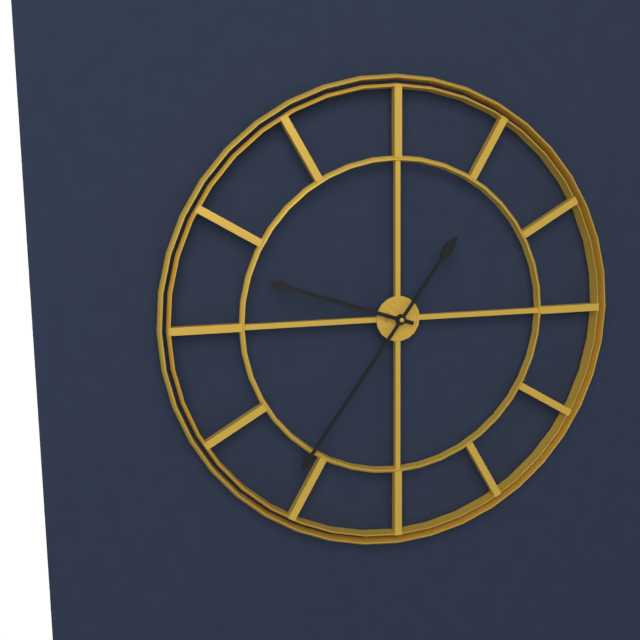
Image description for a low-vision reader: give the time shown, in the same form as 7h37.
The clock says 9h36
